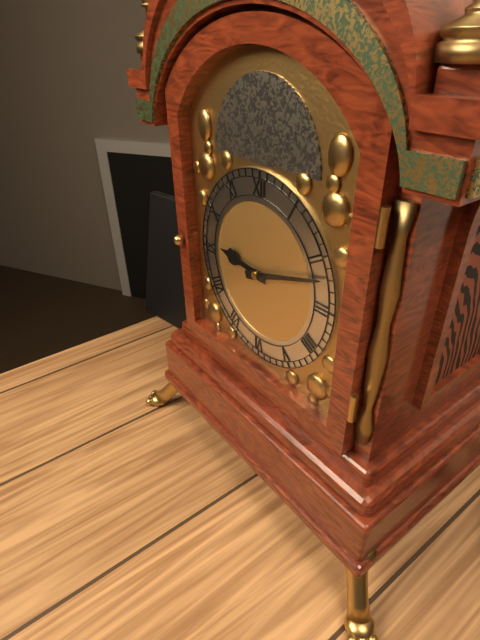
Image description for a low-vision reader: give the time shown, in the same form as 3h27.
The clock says 9h12
